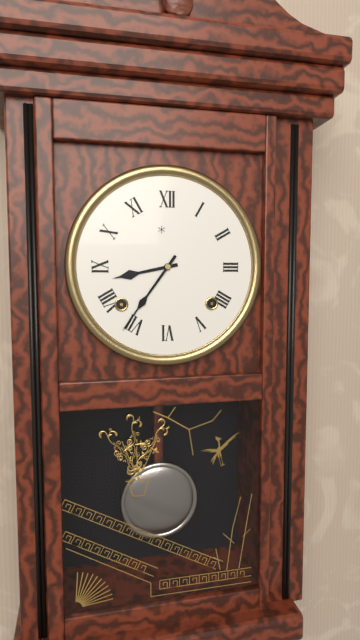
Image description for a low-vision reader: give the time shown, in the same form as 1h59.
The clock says 8h36
